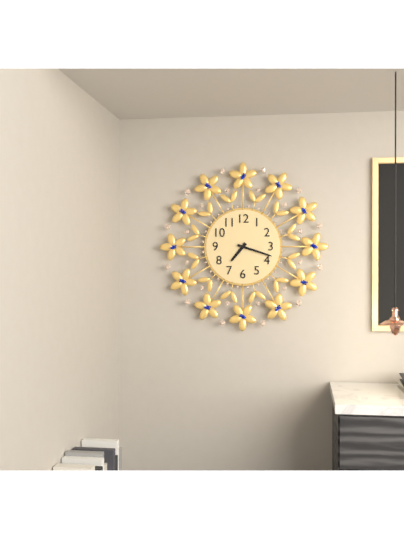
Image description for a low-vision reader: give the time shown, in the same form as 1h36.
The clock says 7h18
